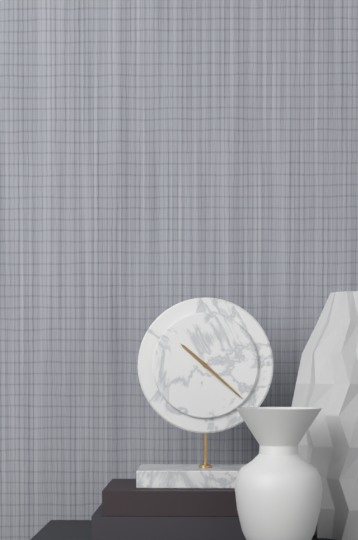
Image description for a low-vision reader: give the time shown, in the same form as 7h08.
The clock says 10h22
